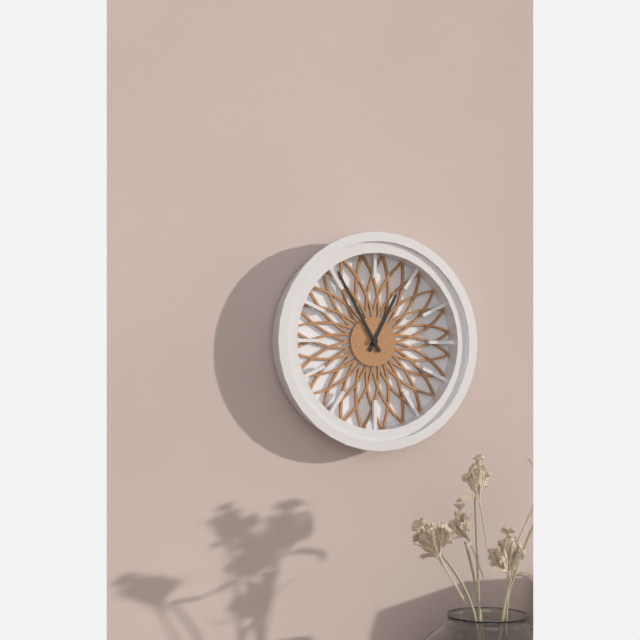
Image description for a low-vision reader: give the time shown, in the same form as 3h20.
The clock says 12h55
